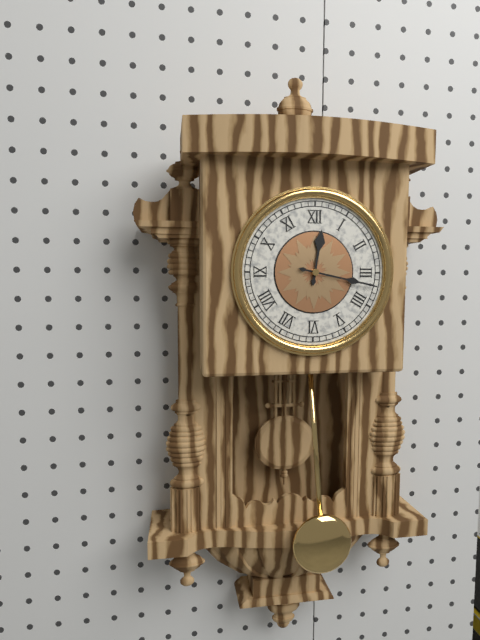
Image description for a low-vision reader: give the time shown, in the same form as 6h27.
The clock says 12h17
